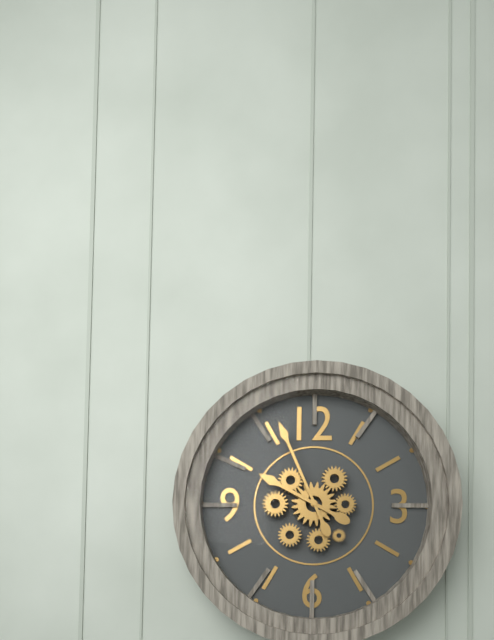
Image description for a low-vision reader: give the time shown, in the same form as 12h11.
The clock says 9h56
